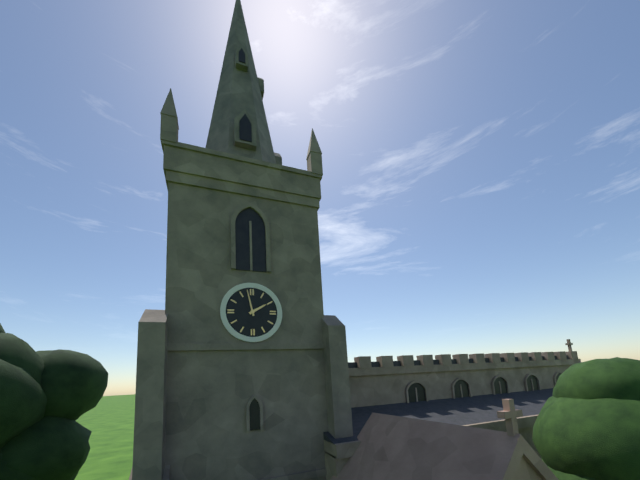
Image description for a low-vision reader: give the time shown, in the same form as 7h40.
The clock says 1h58
